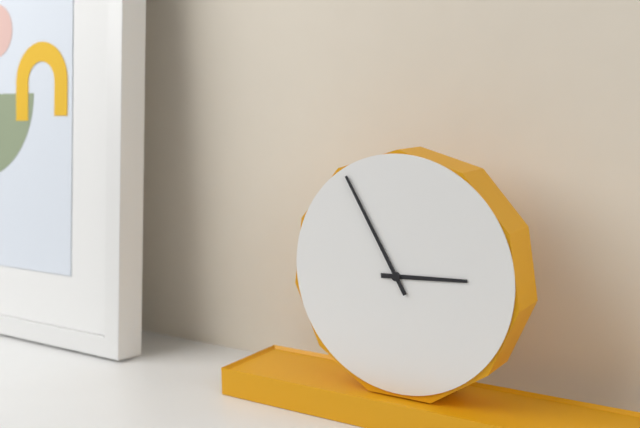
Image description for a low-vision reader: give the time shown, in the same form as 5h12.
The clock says 2h55
